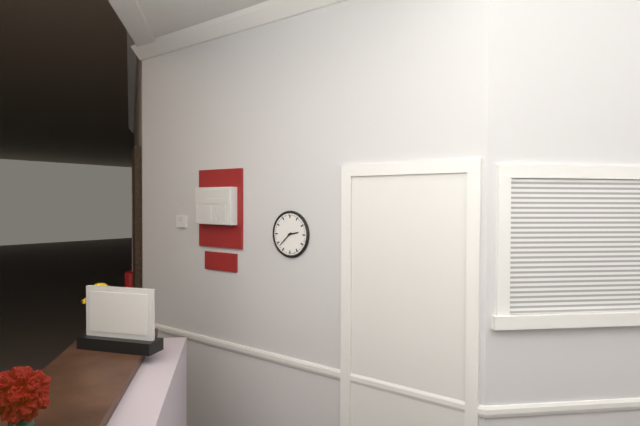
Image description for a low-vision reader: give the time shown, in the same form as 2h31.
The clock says 2h38
